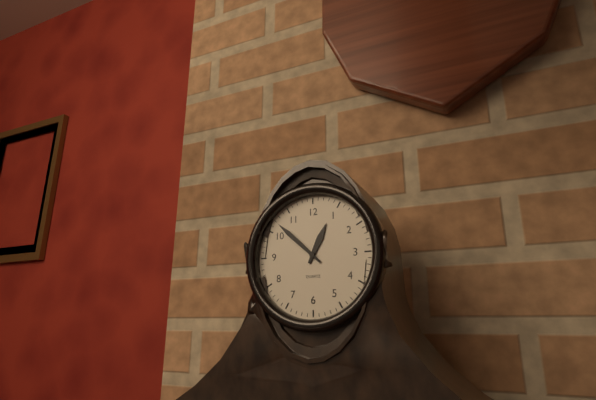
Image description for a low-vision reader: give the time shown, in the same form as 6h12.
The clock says 12h52
